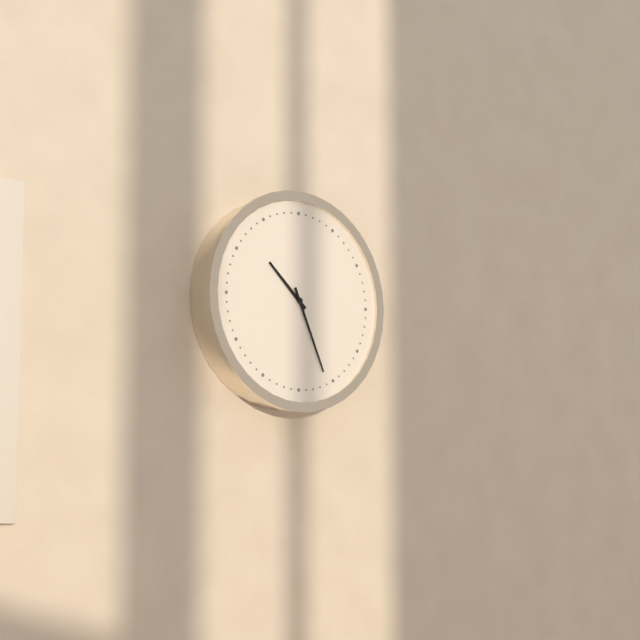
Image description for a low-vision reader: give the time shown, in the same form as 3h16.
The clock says 10h26
